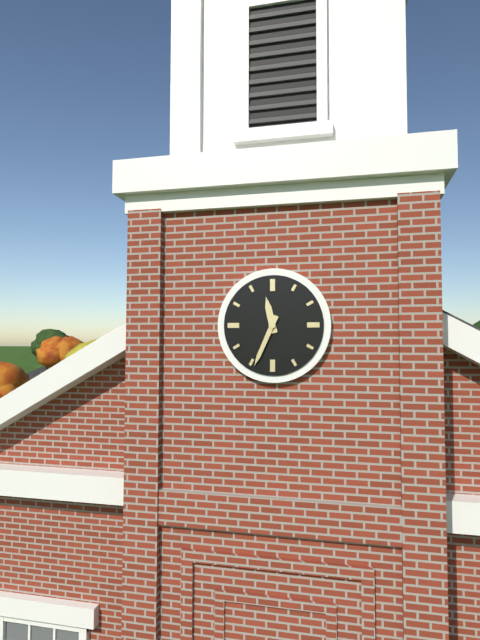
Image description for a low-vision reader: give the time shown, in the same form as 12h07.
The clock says 11h34
